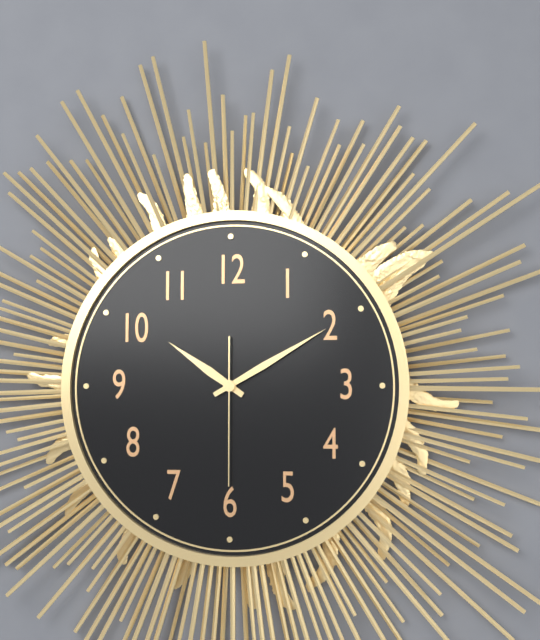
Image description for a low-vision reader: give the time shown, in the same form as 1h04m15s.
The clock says 10h10m30s
